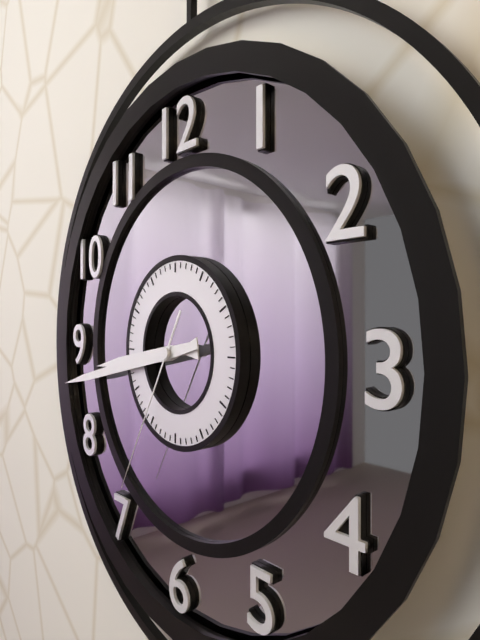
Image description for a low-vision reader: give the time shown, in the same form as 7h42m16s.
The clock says 8h43m35s
